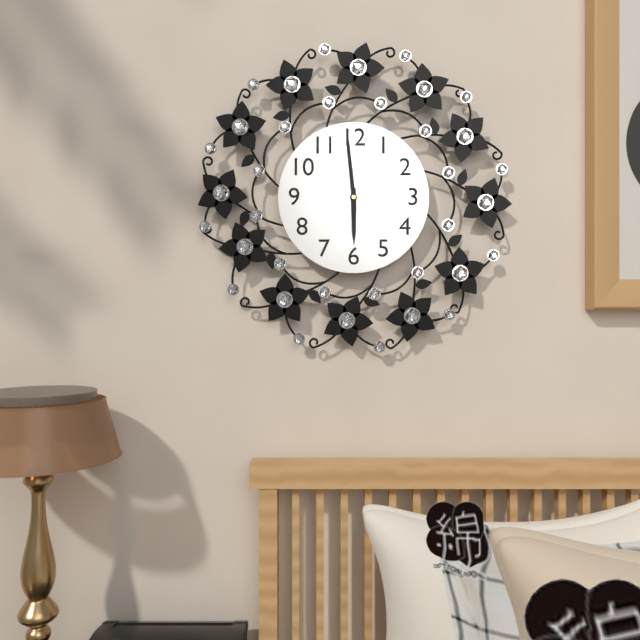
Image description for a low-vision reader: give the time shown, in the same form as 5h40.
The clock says 5h59
